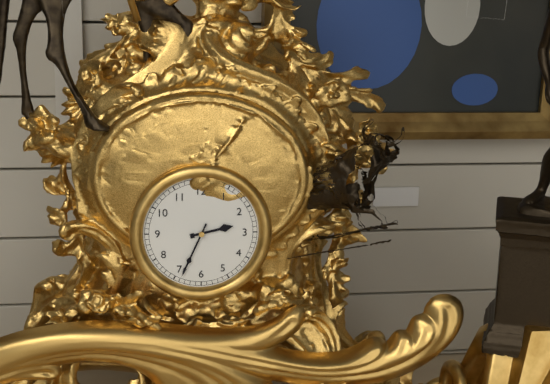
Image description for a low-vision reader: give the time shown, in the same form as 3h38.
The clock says 2h34
